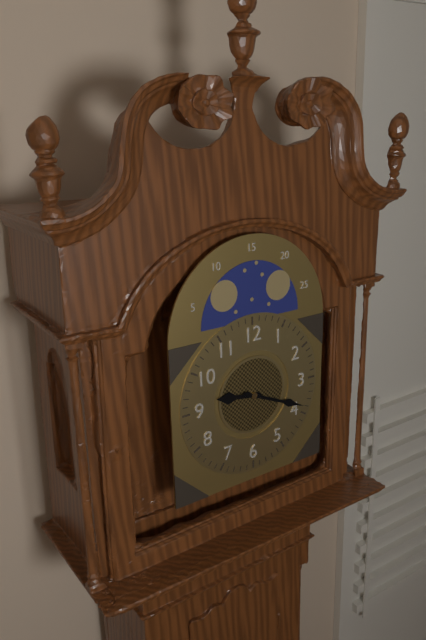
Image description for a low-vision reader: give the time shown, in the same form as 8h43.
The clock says 9h19
